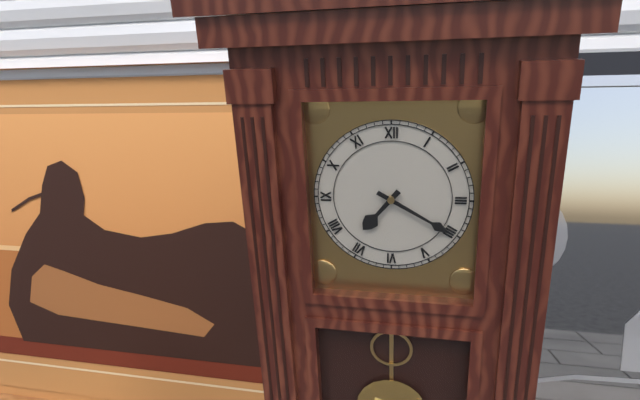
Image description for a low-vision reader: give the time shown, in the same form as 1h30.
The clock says 7h20
